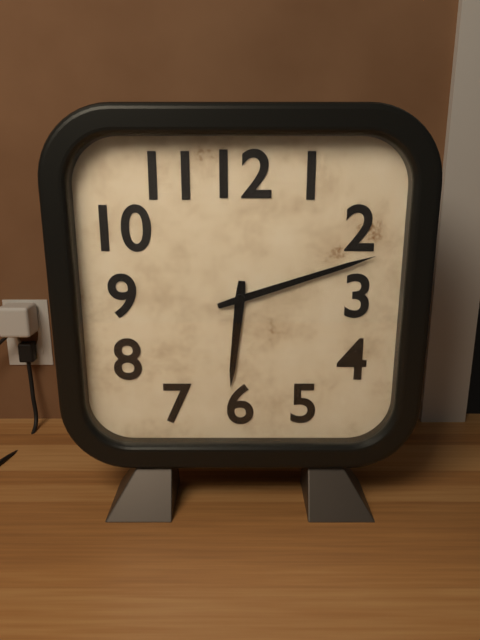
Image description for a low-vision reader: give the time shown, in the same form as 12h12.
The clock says 6h12
